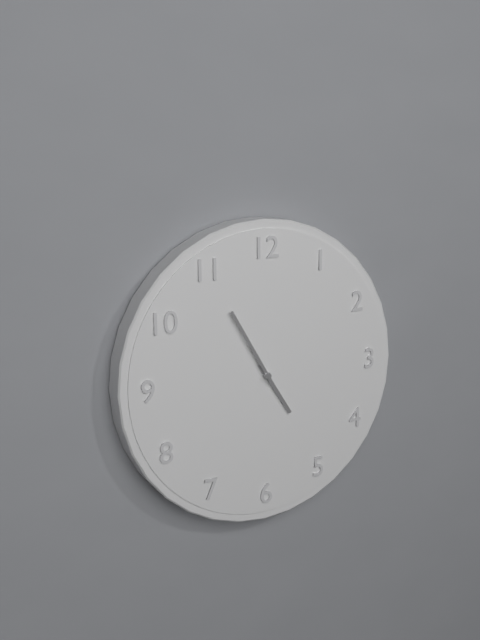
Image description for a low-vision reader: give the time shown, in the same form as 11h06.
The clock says 4h55
